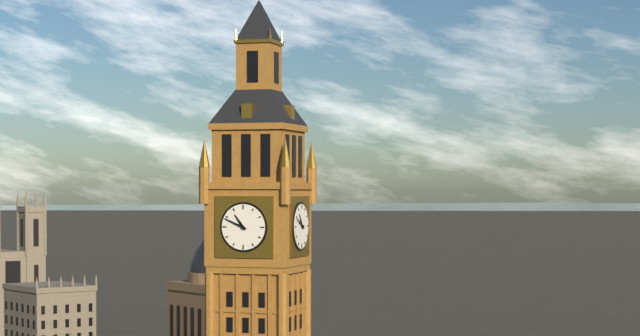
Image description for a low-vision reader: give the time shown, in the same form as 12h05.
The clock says 10h49
